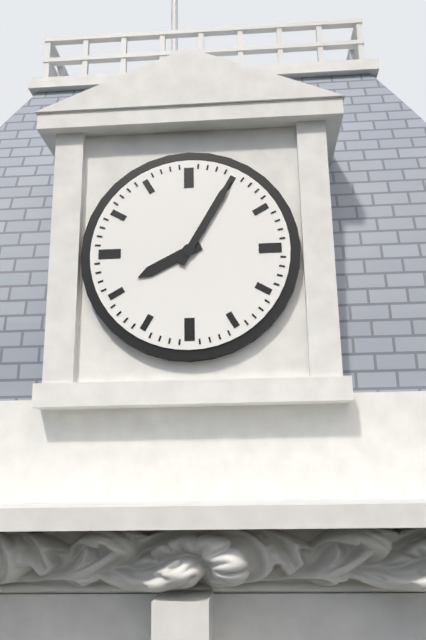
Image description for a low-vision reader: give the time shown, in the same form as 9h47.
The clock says 8h05
